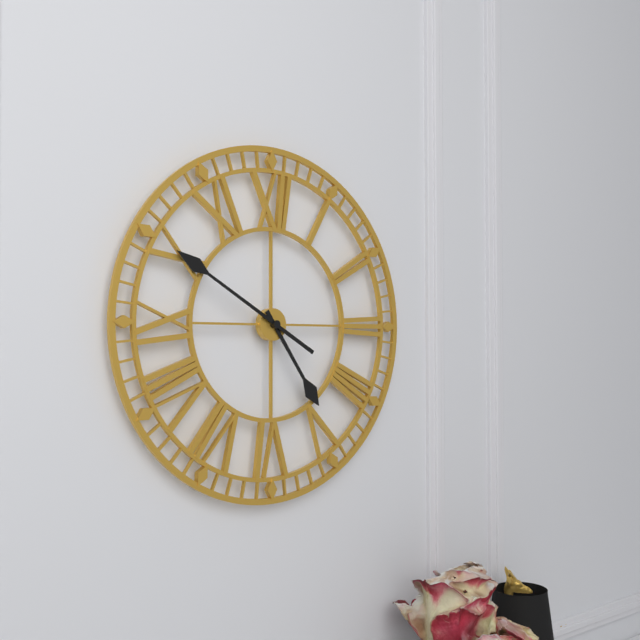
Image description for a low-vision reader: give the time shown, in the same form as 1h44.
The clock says 4h50
